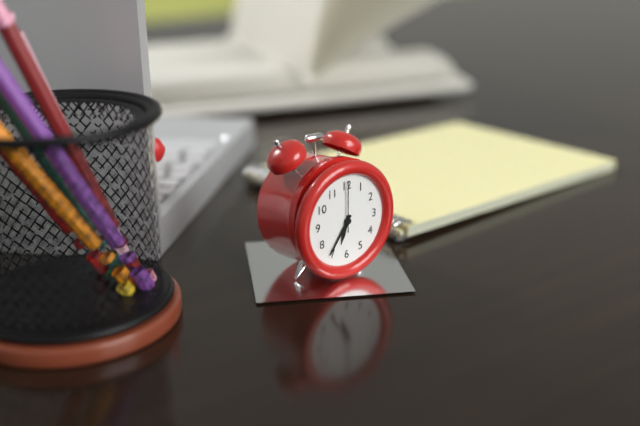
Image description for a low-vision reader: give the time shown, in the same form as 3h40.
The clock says 6h36
